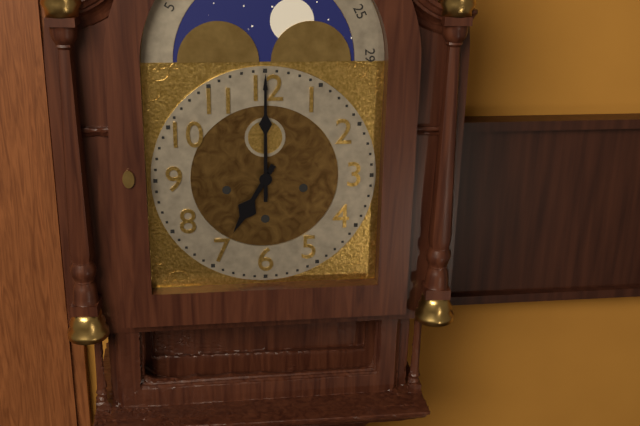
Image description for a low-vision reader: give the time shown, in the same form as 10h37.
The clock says 7h00
